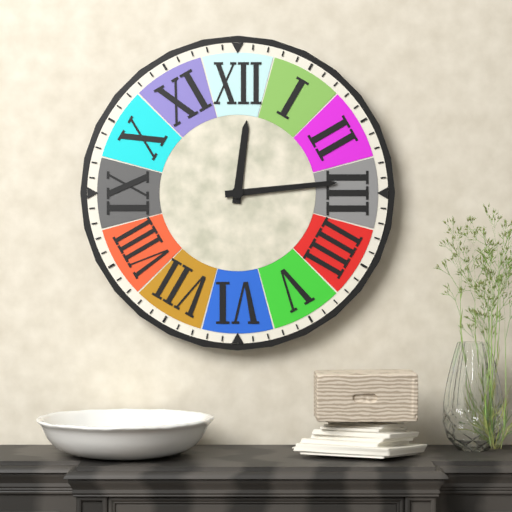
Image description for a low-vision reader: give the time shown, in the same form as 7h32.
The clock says 12h14
